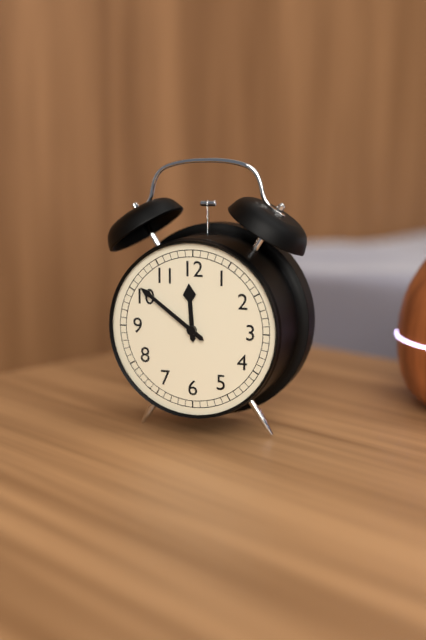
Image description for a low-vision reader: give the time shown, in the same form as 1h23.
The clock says 11h51
